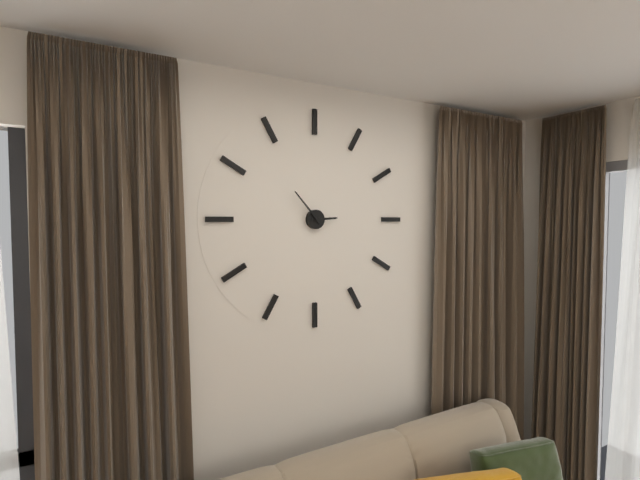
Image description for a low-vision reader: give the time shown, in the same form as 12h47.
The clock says 2h53
